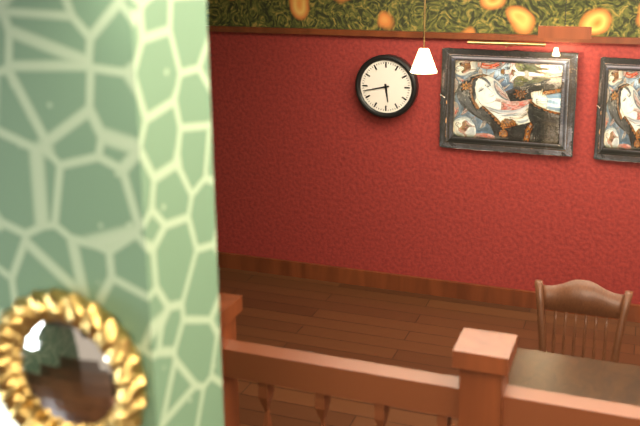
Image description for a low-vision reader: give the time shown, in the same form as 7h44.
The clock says 5h43
